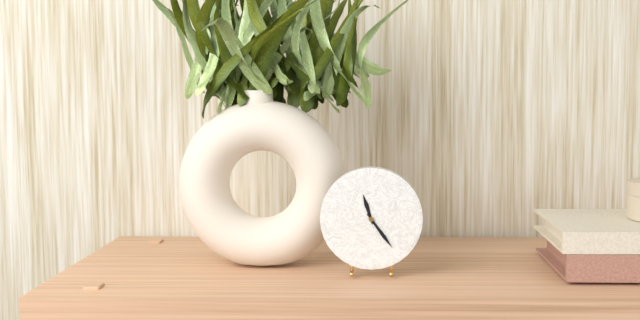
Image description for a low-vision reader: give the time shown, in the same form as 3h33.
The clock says 11h24
